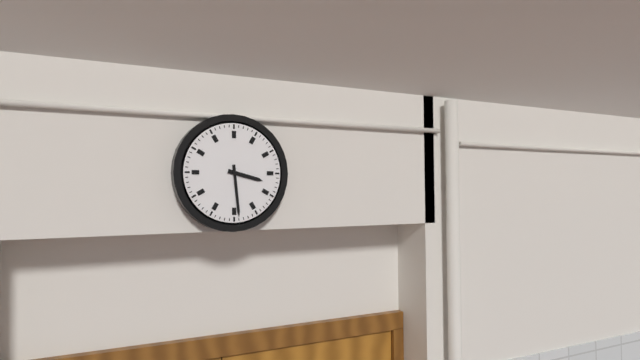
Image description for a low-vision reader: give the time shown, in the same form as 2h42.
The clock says 3h29
